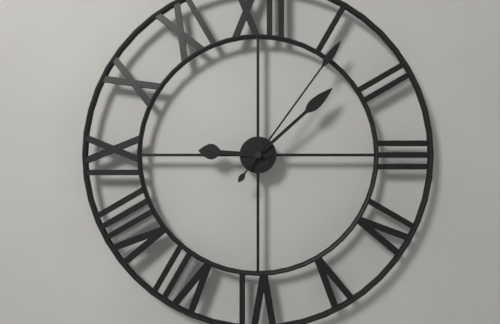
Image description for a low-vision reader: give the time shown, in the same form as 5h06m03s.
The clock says 9h08m06s
